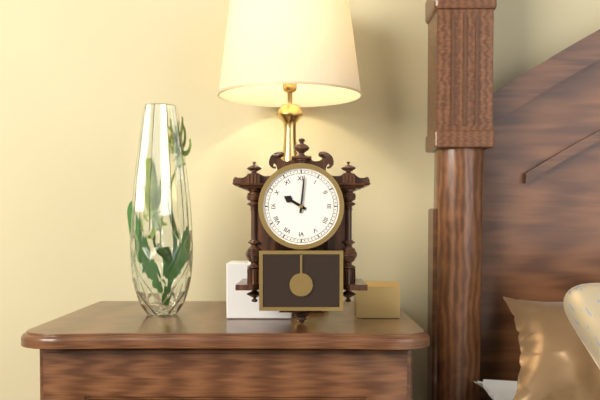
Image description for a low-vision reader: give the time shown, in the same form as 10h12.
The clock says 10h01
